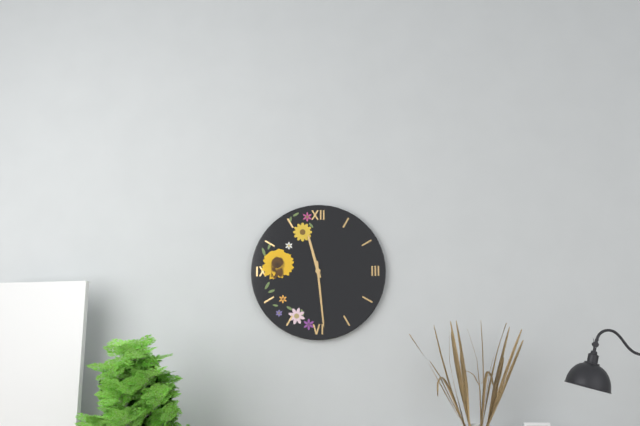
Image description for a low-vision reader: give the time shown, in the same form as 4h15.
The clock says 11h29
